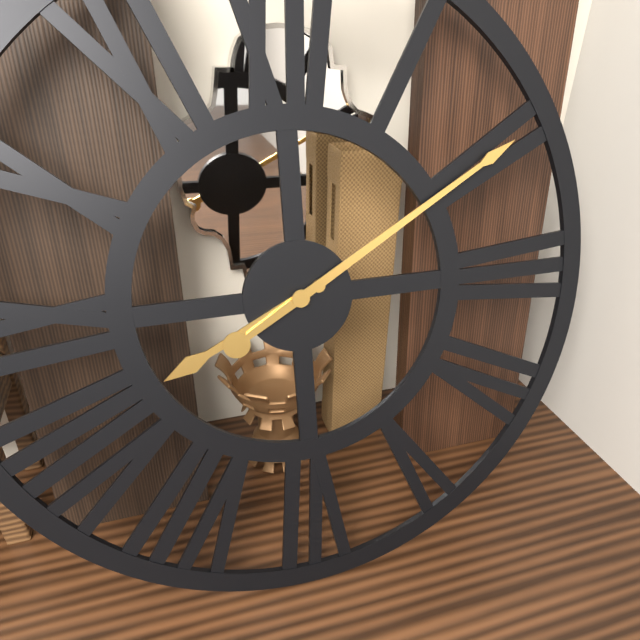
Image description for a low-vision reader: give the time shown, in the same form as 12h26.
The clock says 8h10
